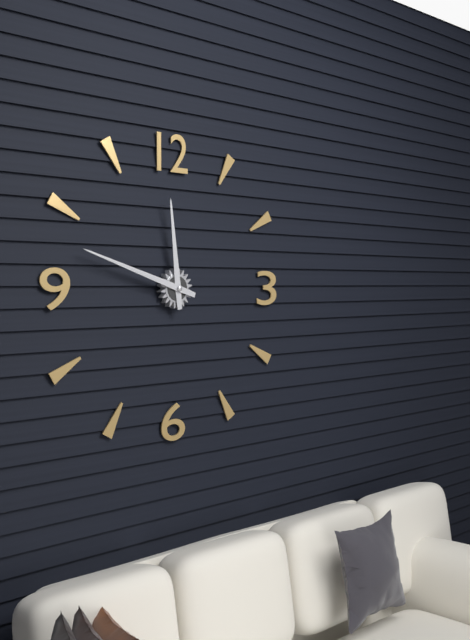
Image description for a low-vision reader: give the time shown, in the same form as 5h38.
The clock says 11h48
